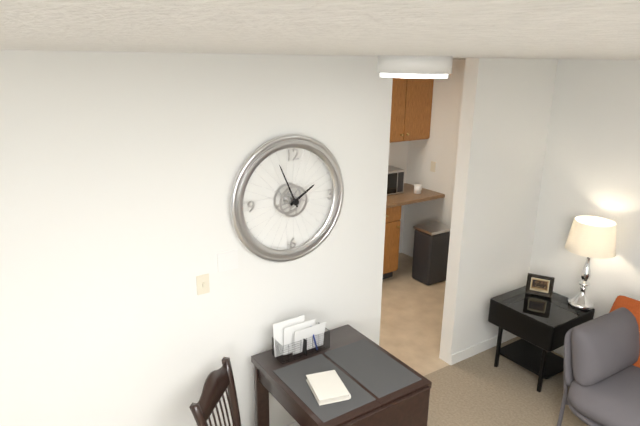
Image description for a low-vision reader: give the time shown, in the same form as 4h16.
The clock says 1h56
